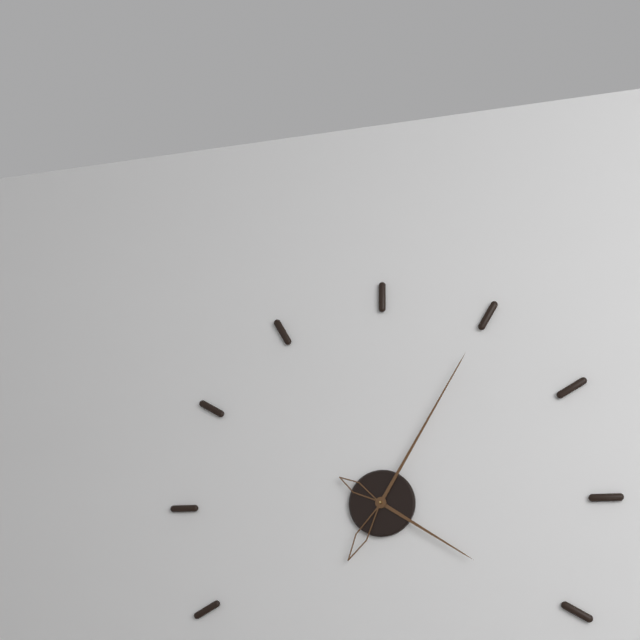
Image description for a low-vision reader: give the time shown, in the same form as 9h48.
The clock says 4h05
